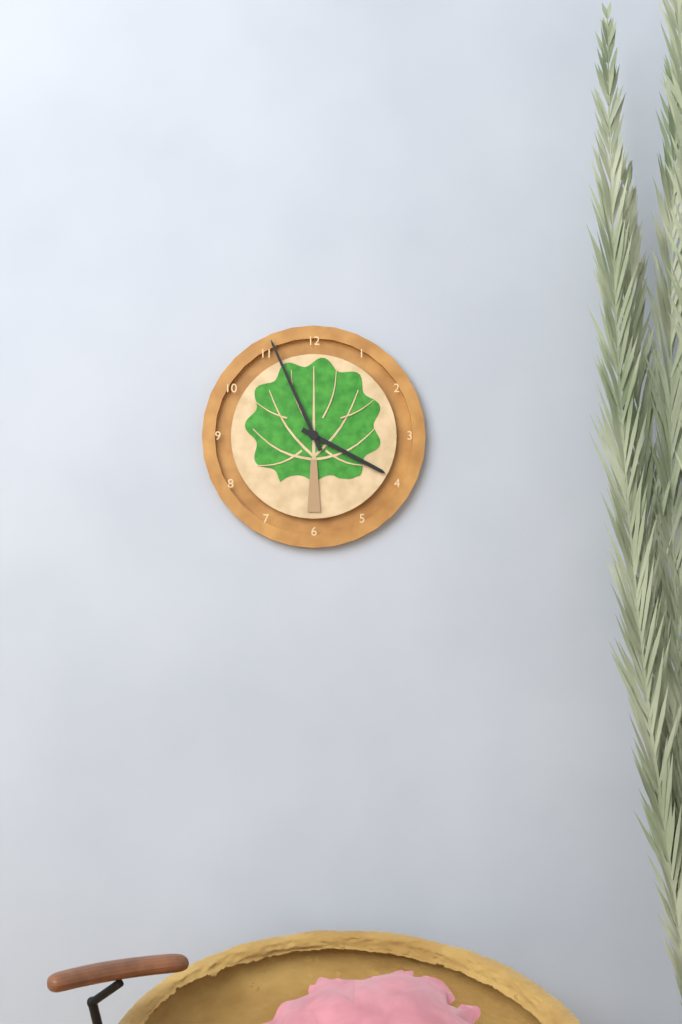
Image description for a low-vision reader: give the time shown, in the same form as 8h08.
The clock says 3h56
